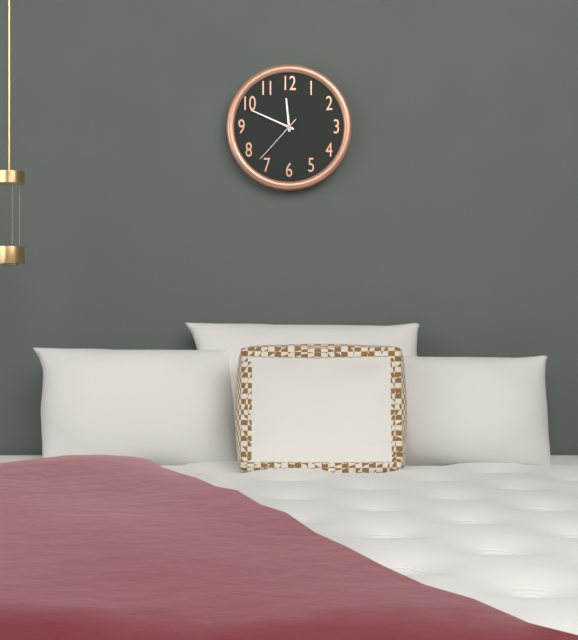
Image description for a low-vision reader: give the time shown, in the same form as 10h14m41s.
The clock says 11h49m37s
